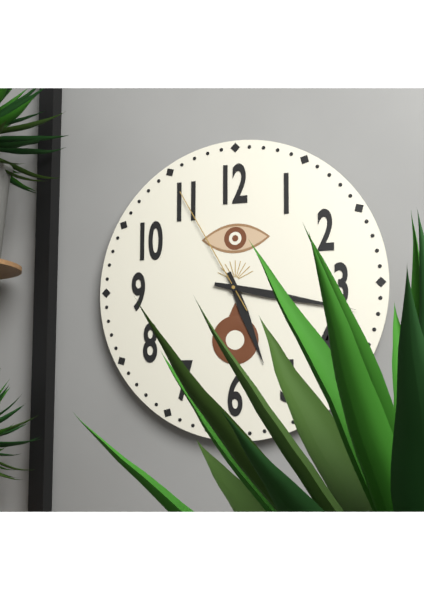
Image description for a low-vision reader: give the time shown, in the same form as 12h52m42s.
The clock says 5h17m55s
